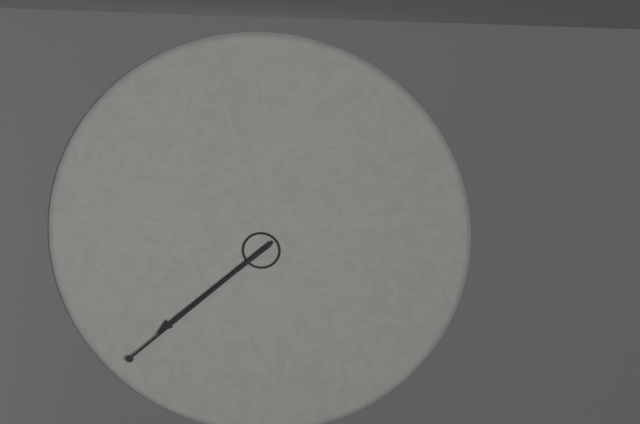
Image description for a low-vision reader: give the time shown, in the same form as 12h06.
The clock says 7h38
